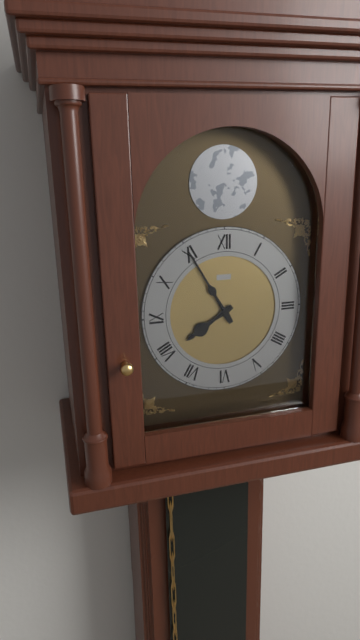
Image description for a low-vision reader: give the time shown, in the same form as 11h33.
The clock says 7h55
